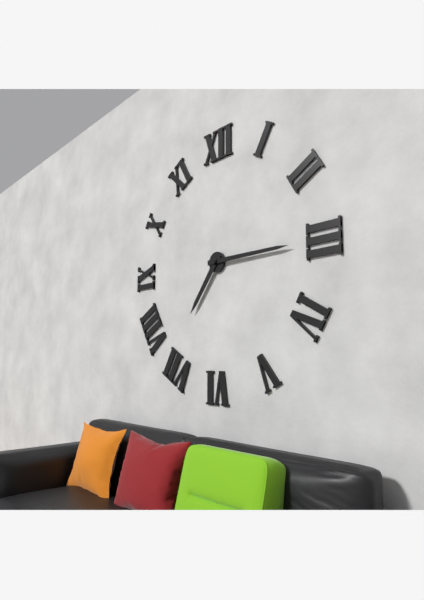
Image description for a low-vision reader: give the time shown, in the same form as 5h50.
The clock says 7h15
